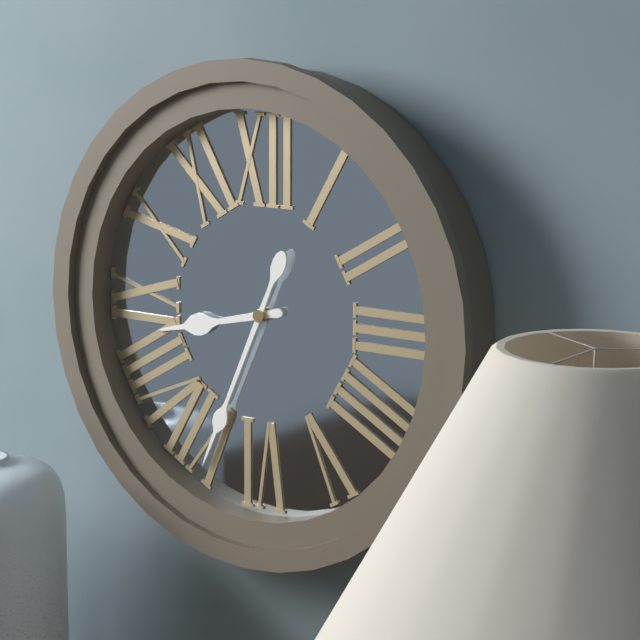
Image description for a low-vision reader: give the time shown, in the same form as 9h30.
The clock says 8h34
